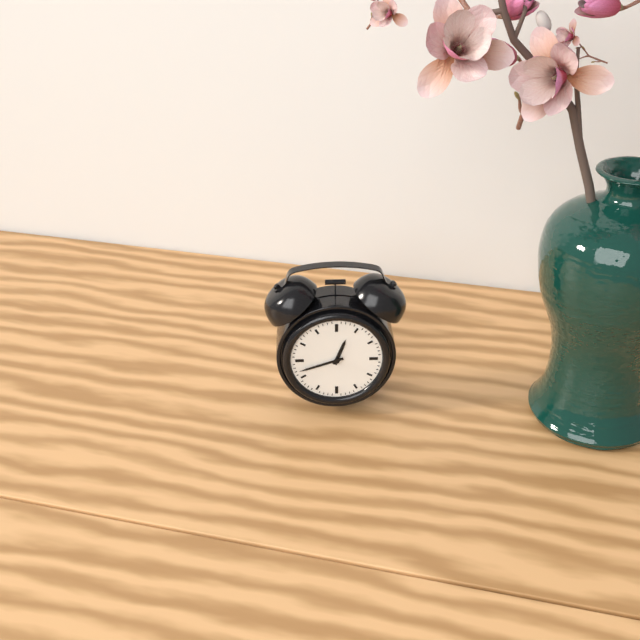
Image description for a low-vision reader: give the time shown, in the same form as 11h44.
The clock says 12h42
